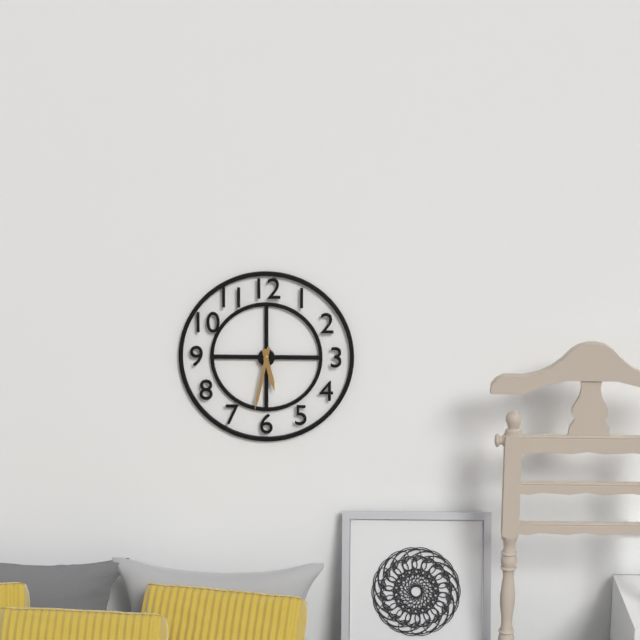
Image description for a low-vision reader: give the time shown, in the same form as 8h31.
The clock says 5h32
